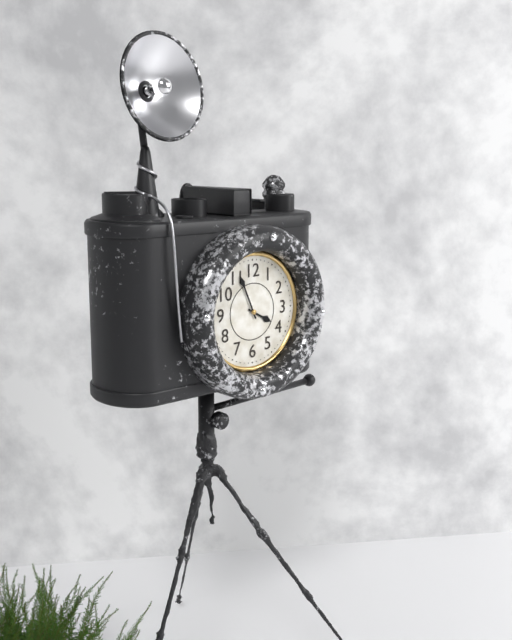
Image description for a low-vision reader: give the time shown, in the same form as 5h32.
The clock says 3h56
